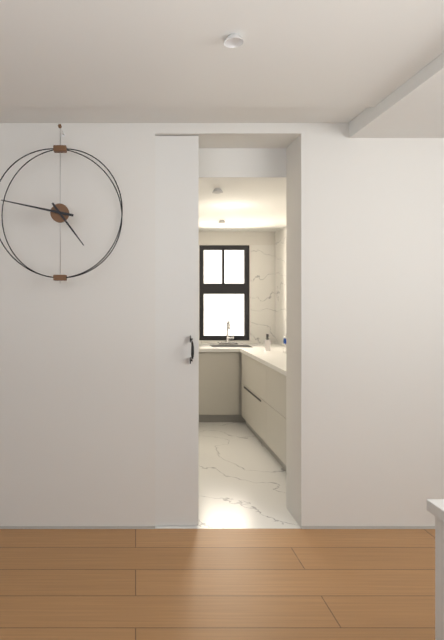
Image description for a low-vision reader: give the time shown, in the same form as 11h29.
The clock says 4h47
